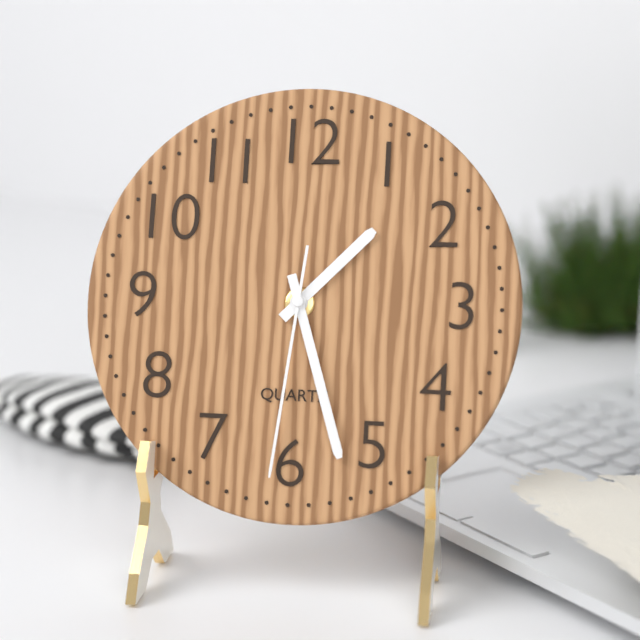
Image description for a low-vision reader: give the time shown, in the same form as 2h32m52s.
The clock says 1h27m31s
